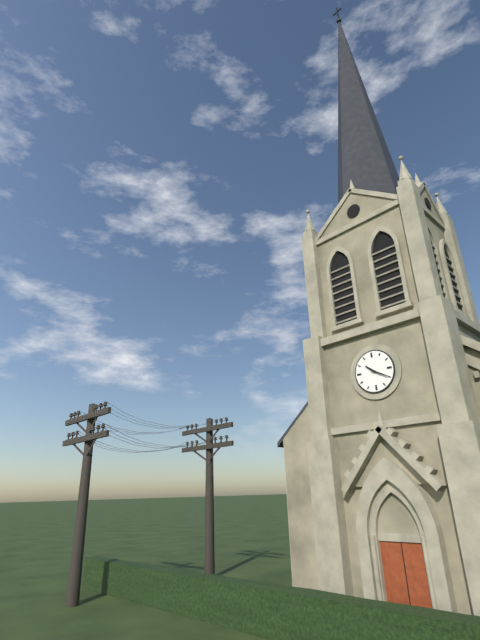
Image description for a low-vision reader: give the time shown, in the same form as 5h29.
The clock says 10h20
